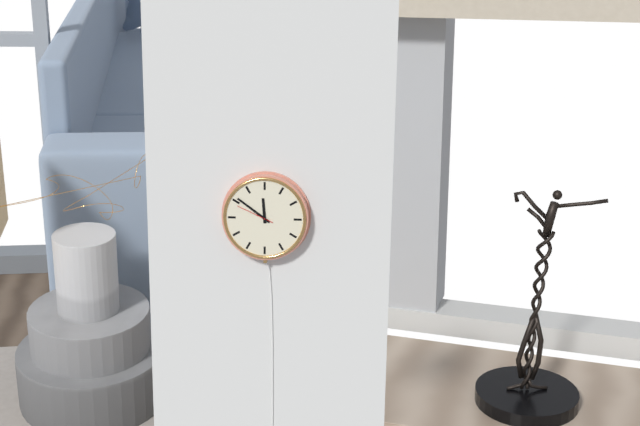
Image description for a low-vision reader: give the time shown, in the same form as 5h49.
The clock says 11h51
